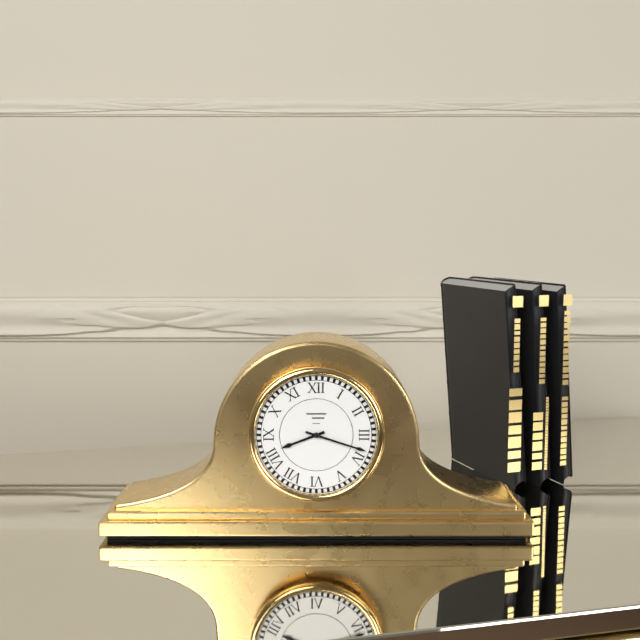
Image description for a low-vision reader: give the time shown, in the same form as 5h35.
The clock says 8h18
